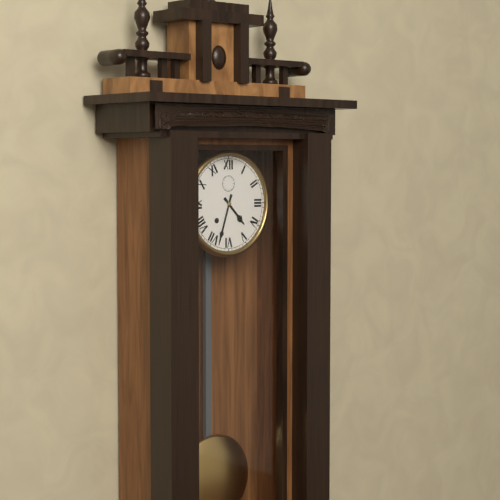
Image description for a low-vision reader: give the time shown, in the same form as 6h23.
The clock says 4h33
